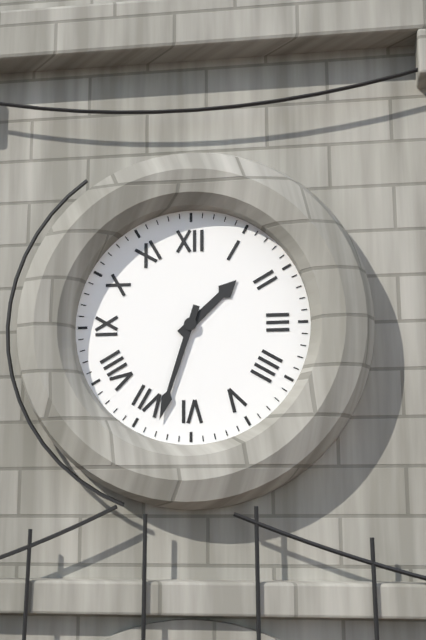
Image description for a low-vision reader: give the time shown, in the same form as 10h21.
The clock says 1h33
